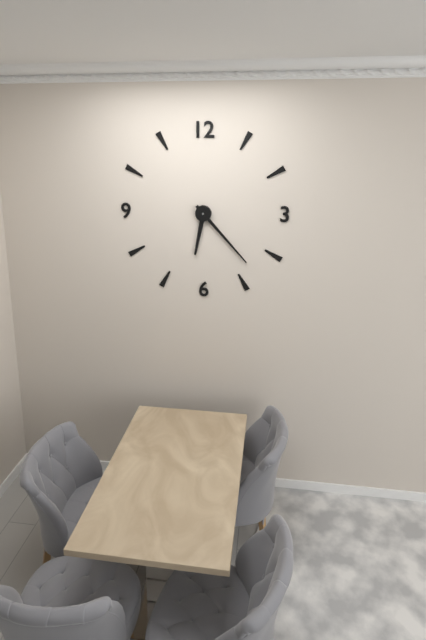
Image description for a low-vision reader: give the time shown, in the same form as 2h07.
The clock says 6h23
